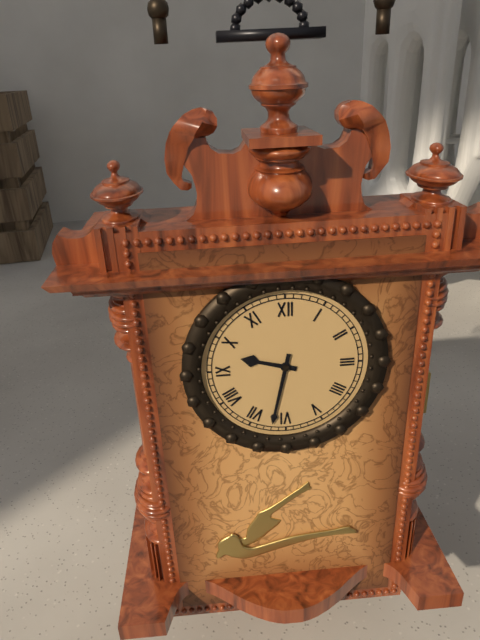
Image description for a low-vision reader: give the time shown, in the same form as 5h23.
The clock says 9h32
